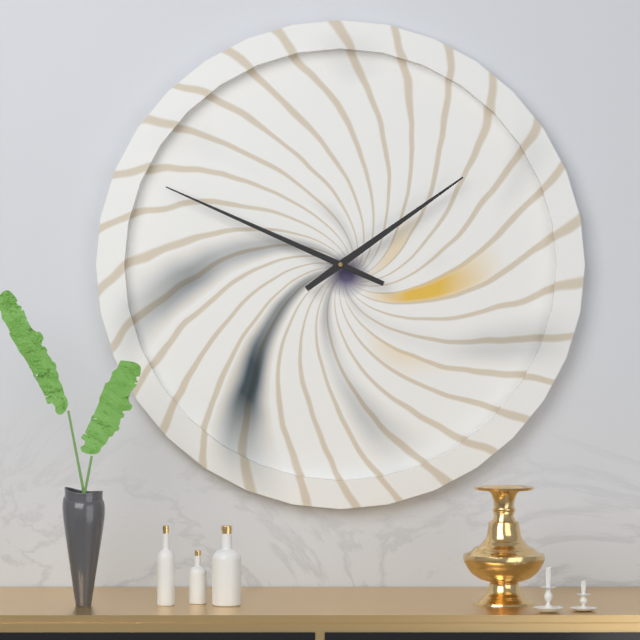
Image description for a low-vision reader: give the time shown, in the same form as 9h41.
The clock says 1h49
